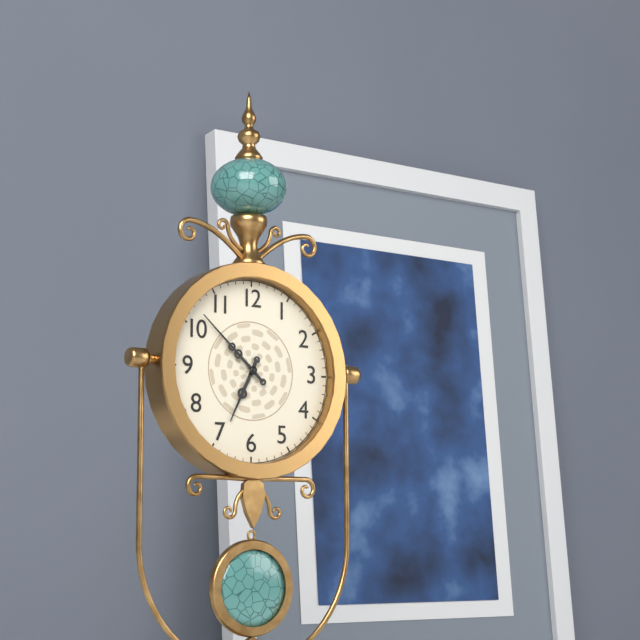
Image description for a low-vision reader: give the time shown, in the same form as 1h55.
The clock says 6h52
